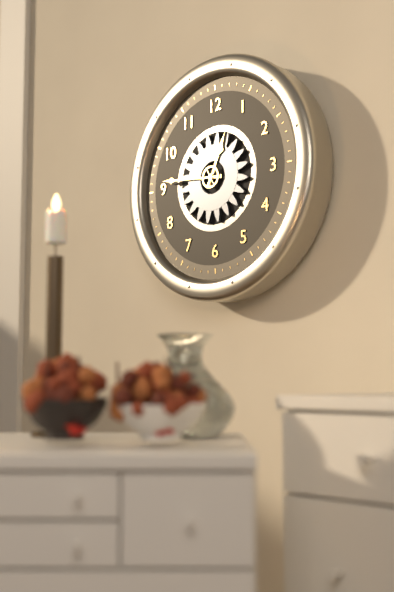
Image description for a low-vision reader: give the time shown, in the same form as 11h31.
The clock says 12h46
